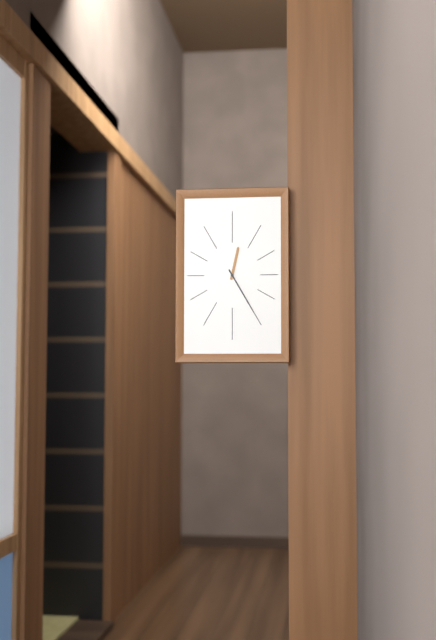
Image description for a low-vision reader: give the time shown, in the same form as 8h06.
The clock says 12h25
